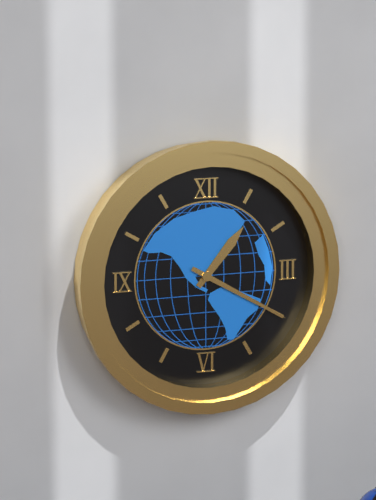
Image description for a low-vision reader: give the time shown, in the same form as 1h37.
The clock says 1h20
